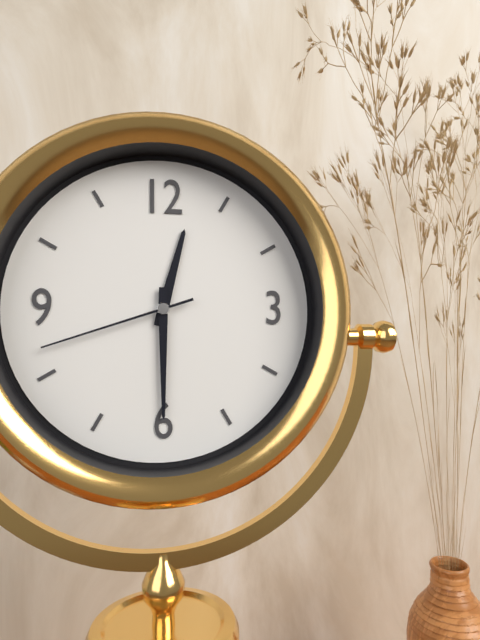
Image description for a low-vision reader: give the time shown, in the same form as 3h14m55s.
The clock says 12h30m42s
